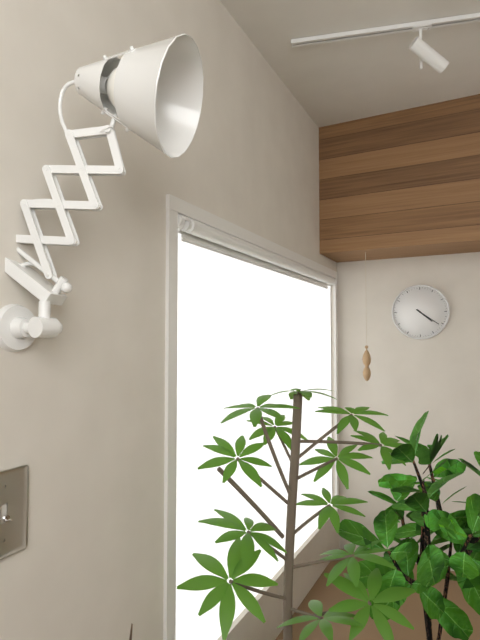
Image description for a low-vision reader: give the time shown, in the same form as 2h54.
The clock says 4h21
